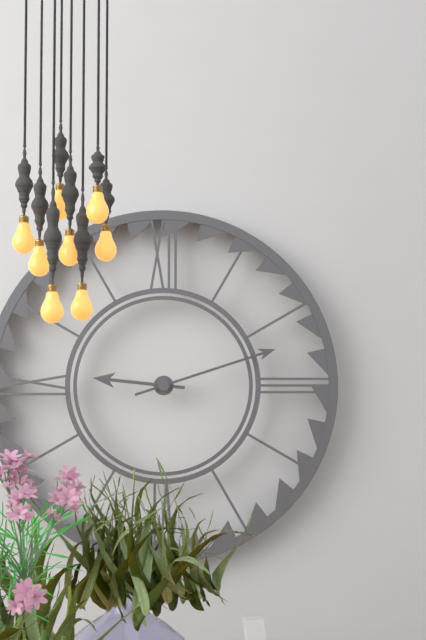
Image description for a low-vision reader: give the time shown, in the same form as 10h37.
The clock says 9h12
